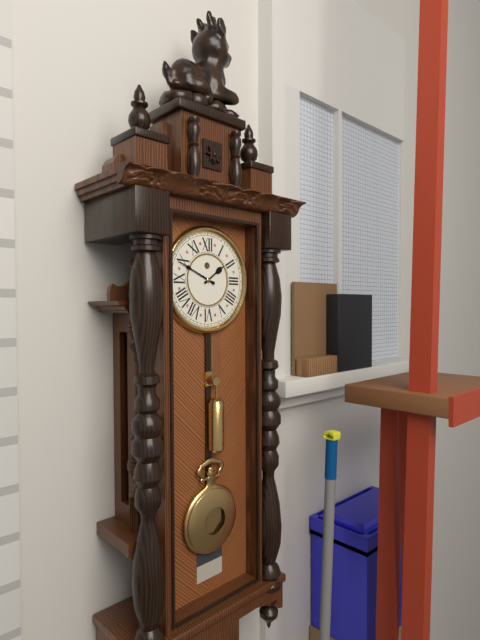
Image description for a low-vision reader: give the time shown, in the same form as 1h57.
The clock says 1h49
